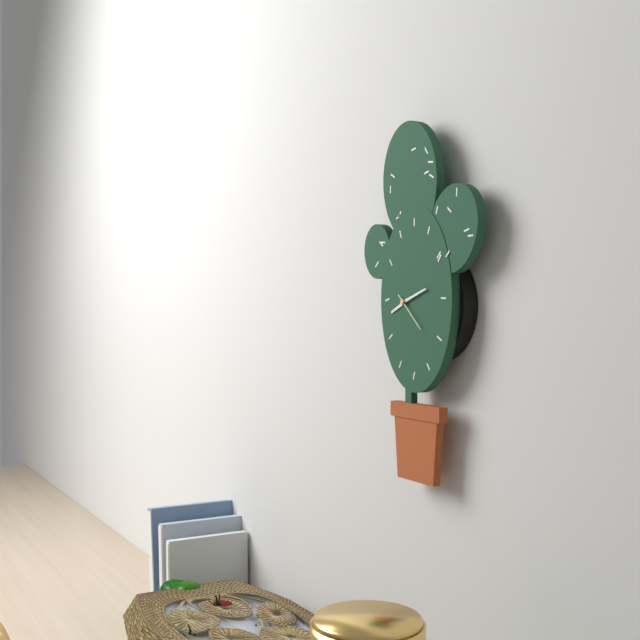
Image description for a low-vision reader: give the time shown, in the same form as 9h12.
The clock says 8h12
